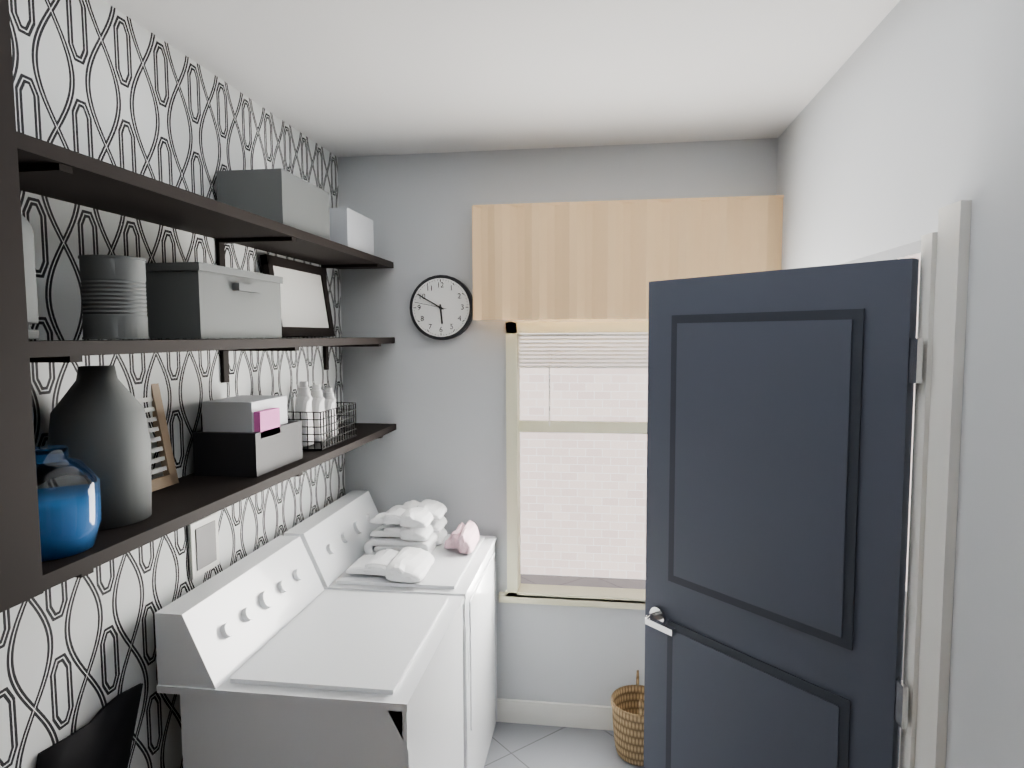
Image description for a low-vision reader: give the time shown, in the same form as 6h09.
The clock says 5h50
